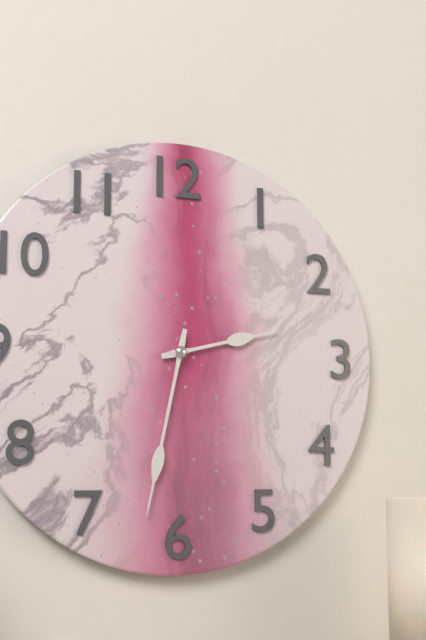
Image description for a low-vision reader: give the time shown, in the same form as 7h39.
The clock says 2h32
